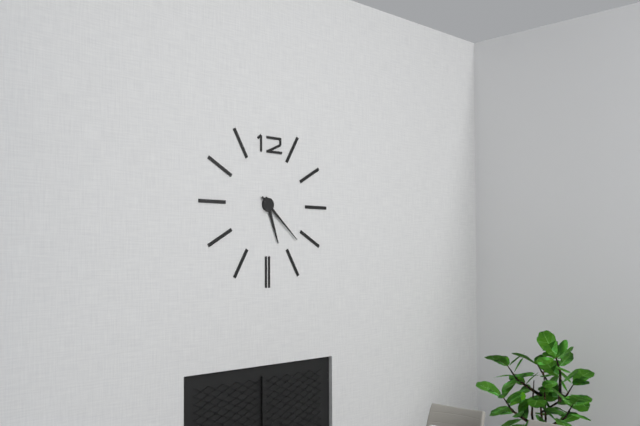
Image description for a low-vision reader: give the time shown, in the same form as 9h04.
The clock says 5h22
